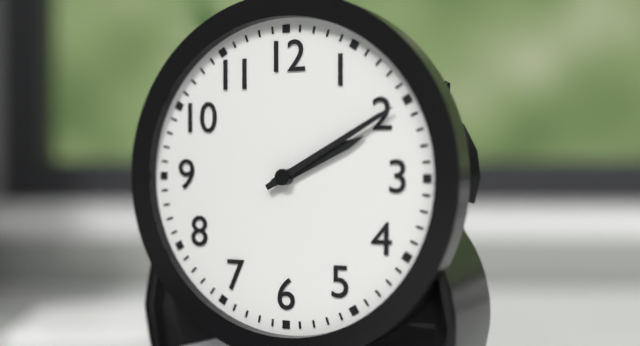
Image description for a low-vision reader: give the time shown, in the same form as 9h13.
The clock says 2h10
